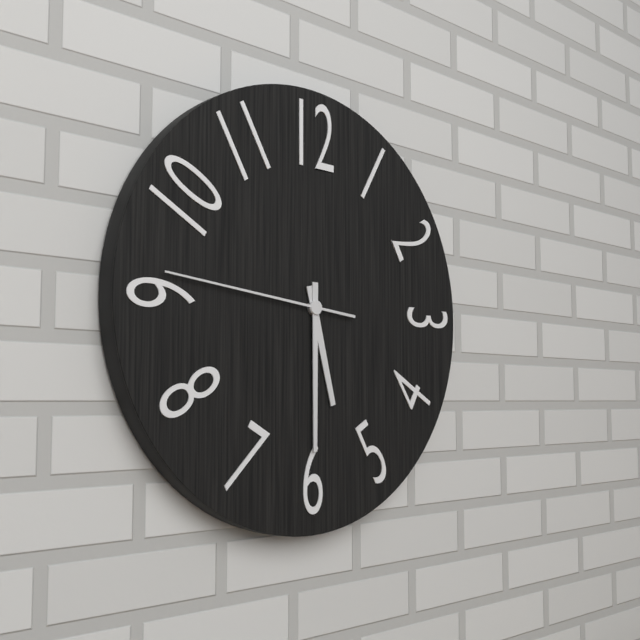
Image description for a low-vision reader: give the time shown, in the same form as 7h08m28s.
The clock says 5h30m46s
